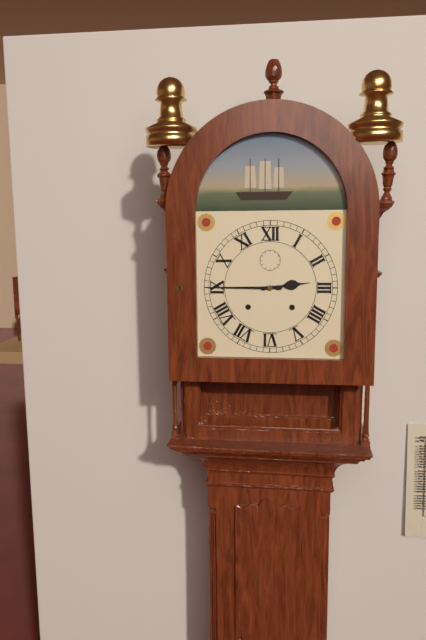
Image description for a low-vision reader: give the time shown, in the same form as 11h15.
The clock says 2h45
